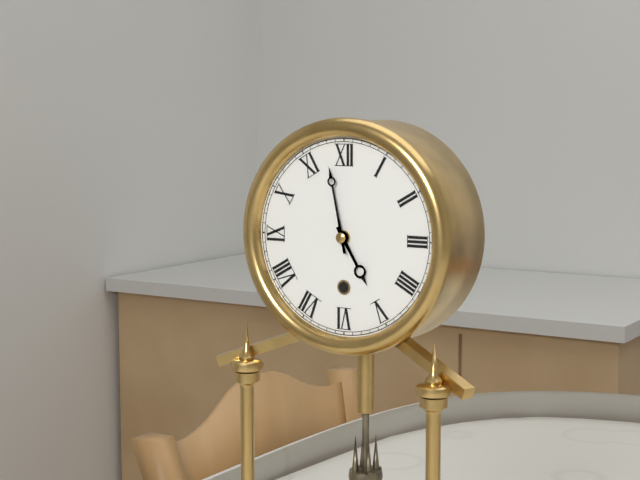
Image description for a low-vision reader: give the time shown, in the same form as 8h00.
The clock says 4h58
